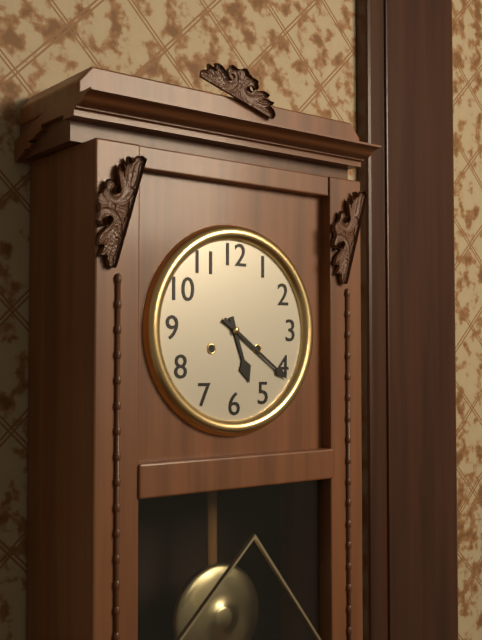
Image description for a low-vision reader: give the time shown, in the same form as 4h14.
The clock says 5h21
